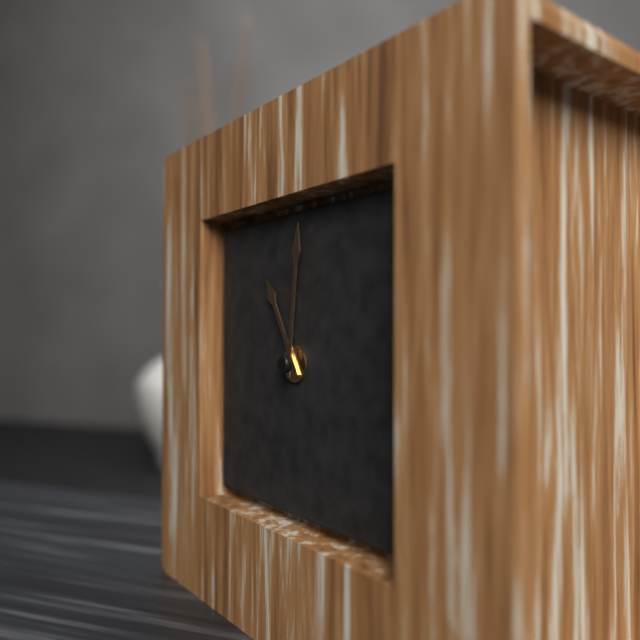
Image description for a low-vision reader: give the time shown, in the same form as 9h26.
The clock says 11h01
